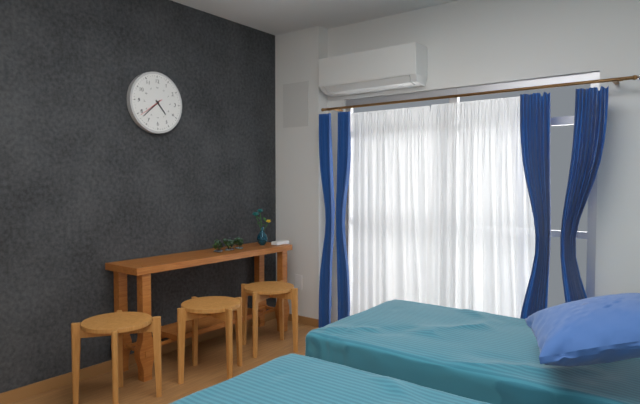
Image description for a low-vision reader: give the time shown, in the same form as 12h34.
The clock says 4h38
